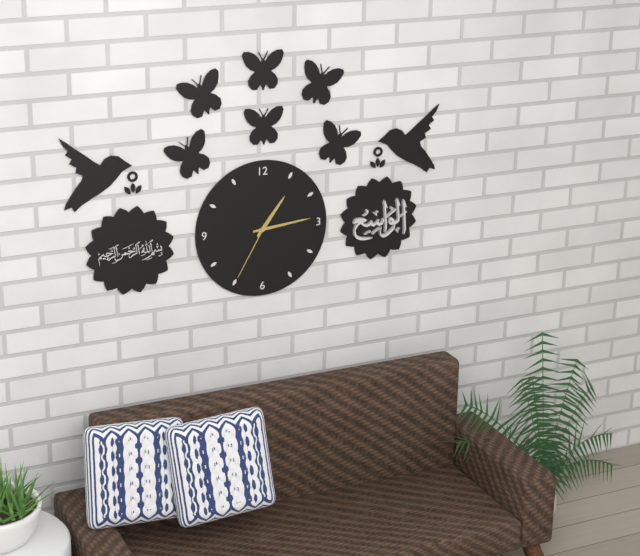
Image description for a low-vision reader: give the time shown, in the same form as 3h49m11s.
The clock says 1h14m35s
